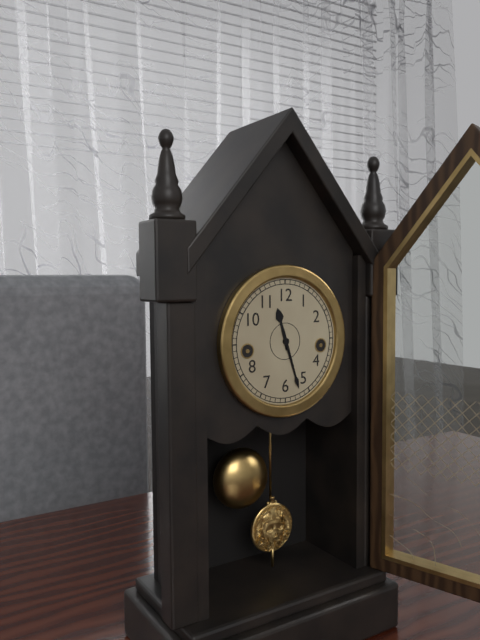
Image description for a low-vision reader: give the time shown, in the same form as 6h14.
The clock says 11h27
